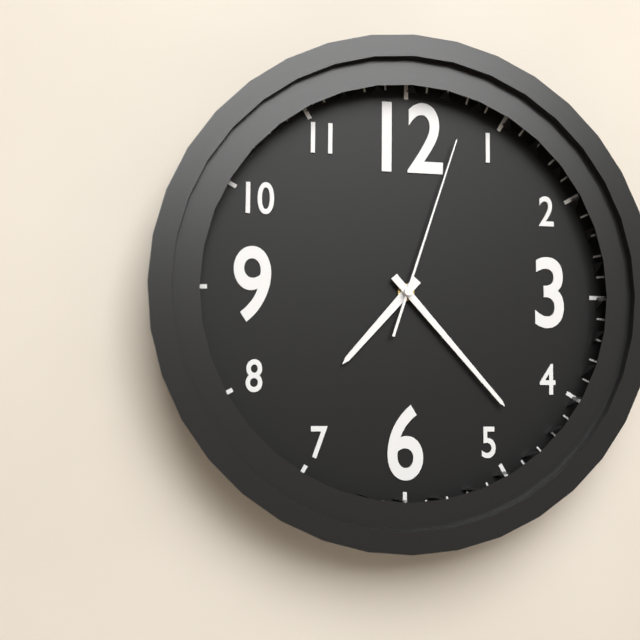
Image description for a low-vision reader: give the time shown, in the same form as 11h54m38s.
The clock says 7h23m03s
